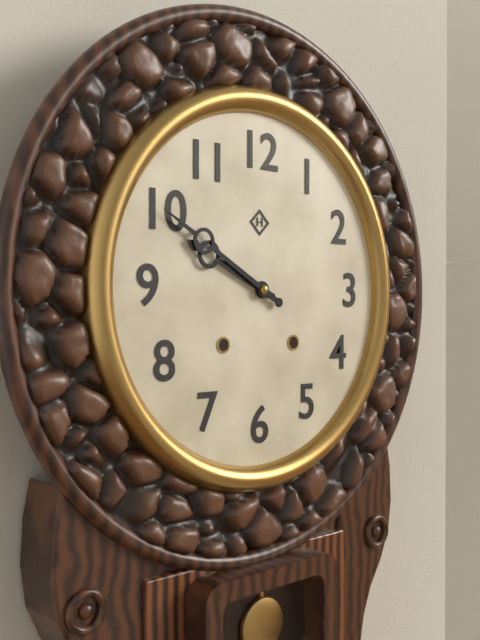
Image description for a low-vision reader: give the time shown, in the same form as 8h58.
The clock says 9h50
